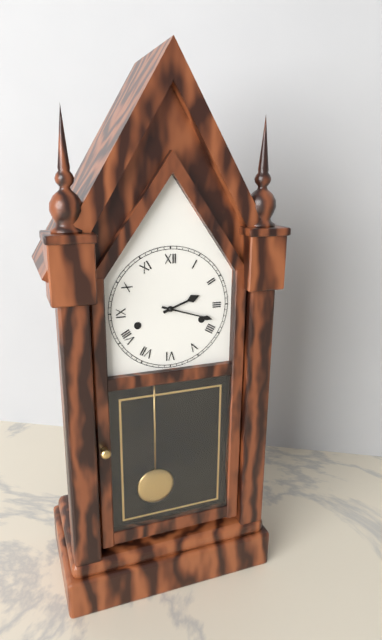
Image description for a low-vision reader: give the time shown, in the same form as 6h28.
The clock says 2h18
